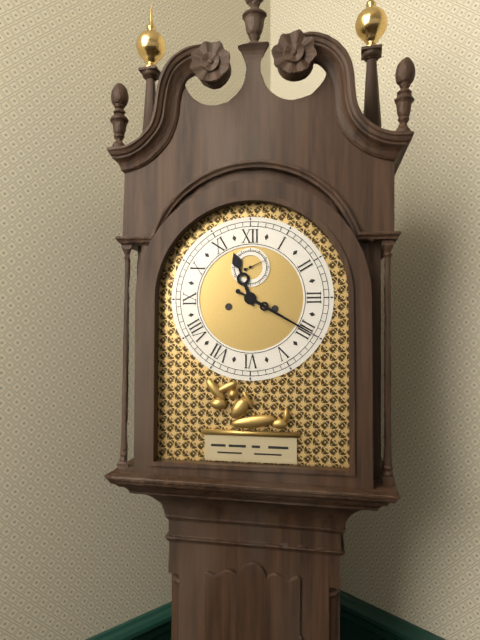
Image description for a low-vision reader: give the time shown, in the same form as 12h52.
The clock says 11h20
